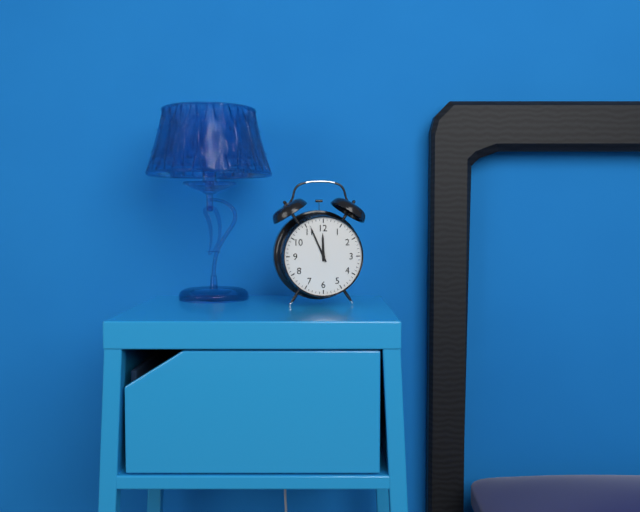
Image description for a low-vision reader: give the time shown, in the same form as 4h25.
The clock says 11h56
